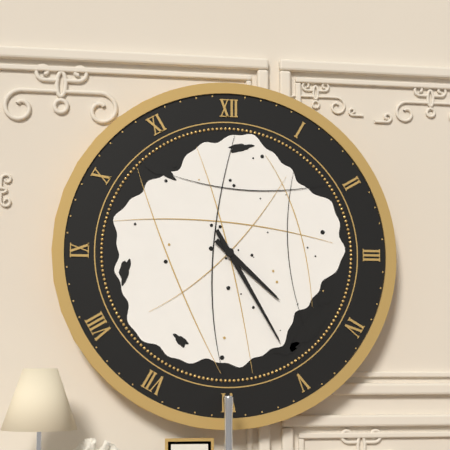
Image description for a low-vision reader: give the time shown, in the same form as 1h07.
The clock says 4h25
